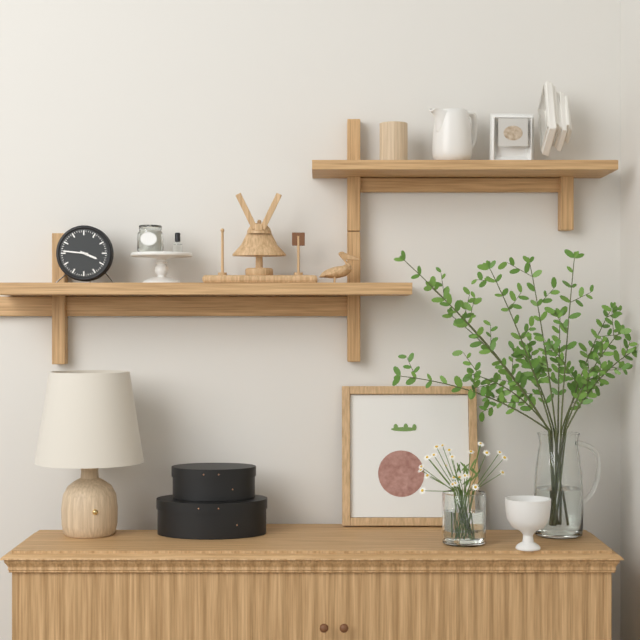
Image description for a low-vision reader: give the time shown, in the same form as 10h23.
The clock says 3h46
